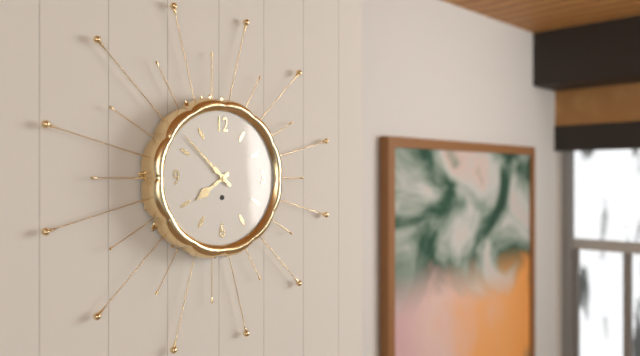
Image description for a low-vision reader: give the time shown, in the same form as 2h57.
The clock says 7h52
